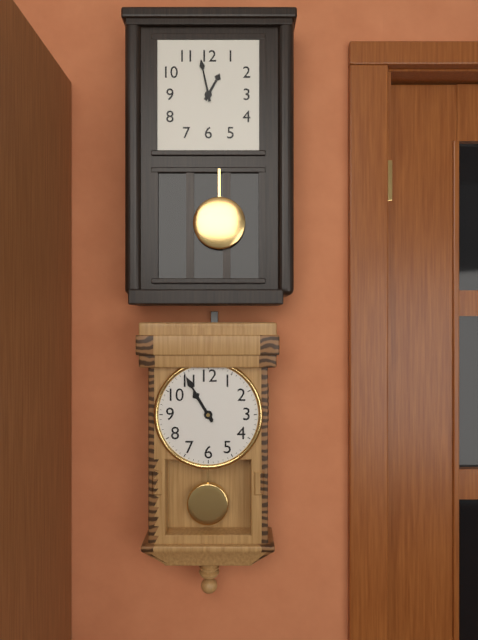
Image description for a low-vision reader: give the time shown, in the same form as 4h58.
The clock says 10h55
